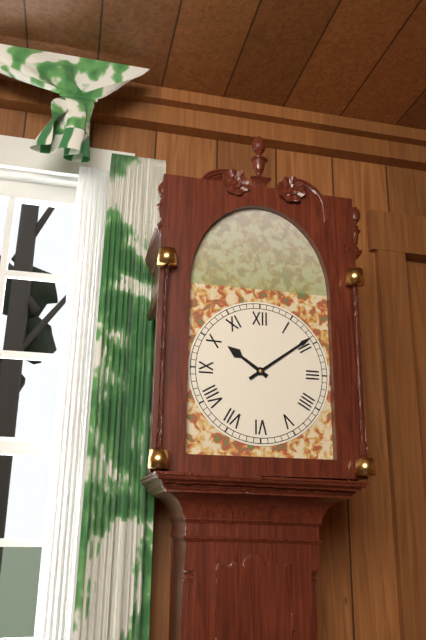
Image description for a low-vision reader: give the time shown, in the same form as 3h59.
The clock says 10h09
